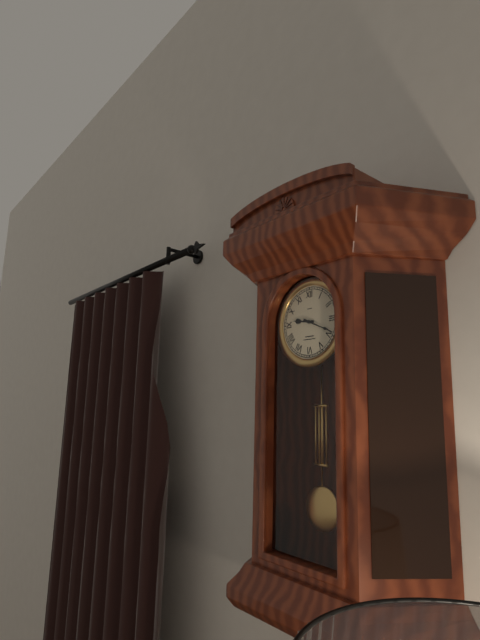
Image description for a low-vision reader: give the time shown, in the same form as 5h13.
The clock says 9h19
